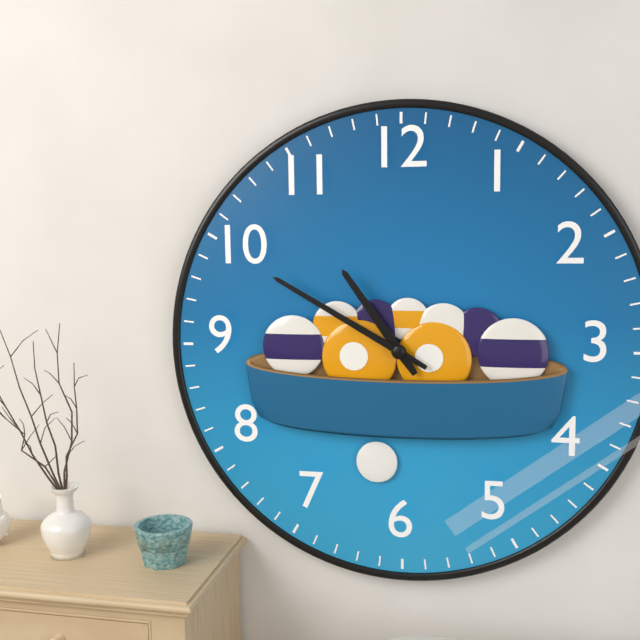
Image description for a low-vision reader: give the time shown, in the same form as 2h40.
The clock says 10h50
